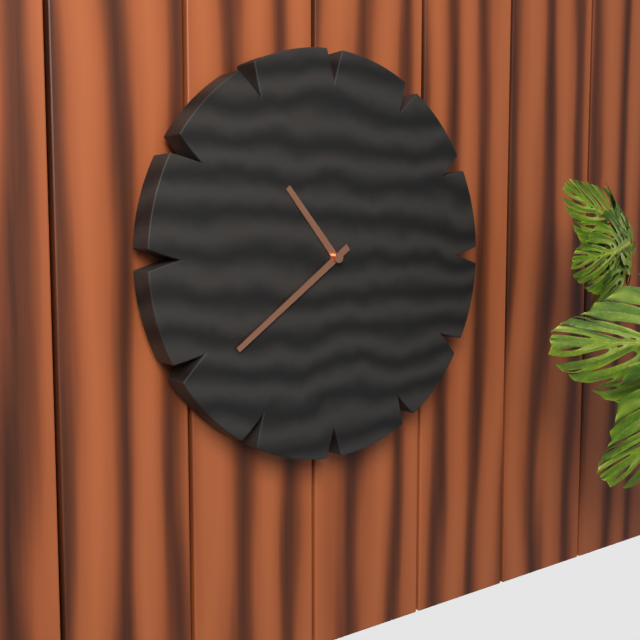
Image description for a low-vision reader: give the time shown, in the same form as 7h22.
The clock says 10h39
